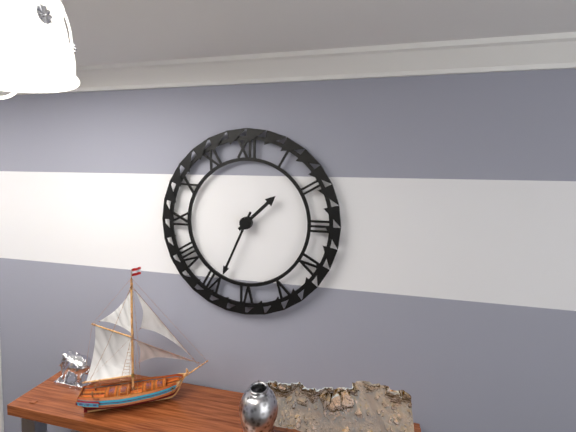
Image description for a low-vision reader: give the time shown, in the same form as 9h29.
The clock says 1h34
